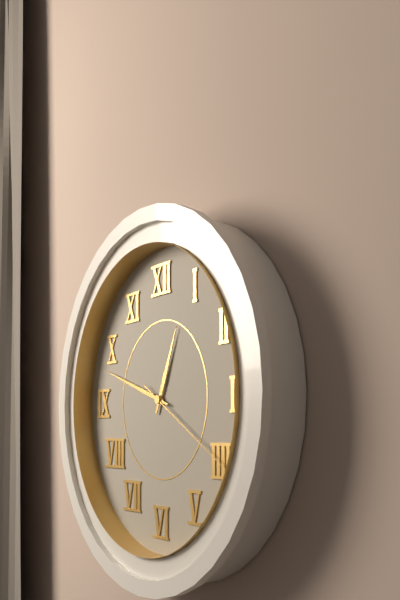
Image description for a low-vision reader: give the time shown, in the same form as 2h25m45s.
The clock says 12h48m20s
